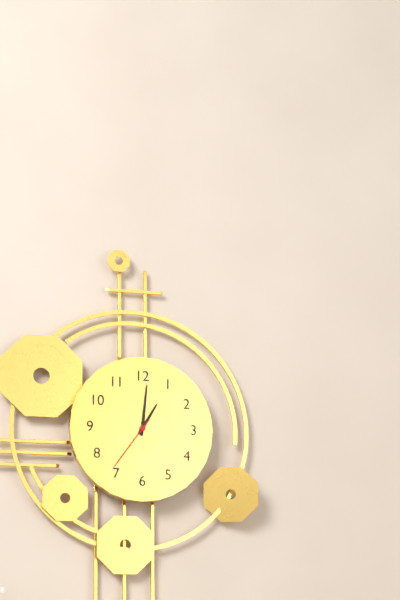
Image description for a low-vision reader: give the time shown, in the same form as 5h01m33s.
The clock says 1h01m36s
